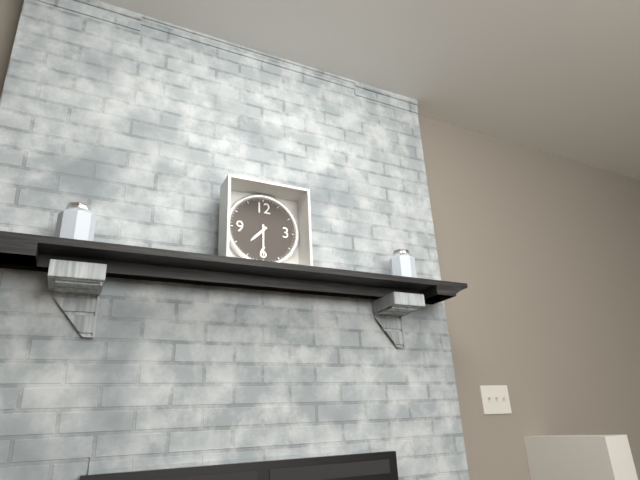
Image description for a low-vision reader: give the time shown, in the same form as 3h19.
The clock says 7h30
